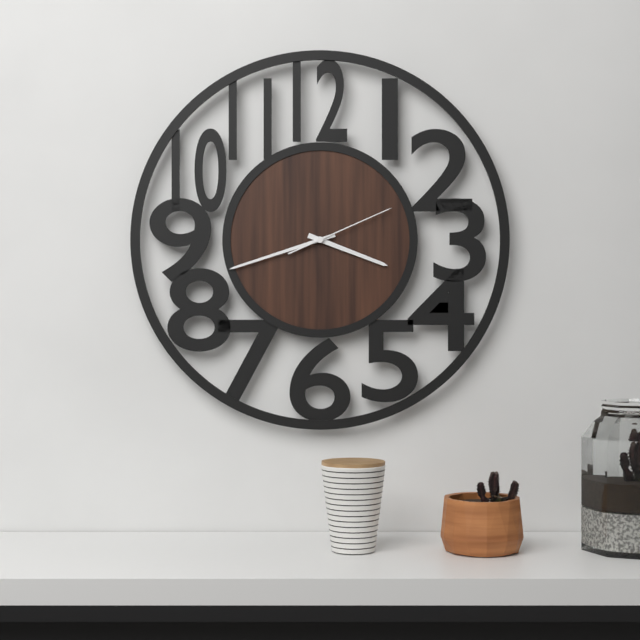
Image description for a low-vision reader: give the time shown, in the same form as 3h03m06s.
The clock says 3h42m11s
